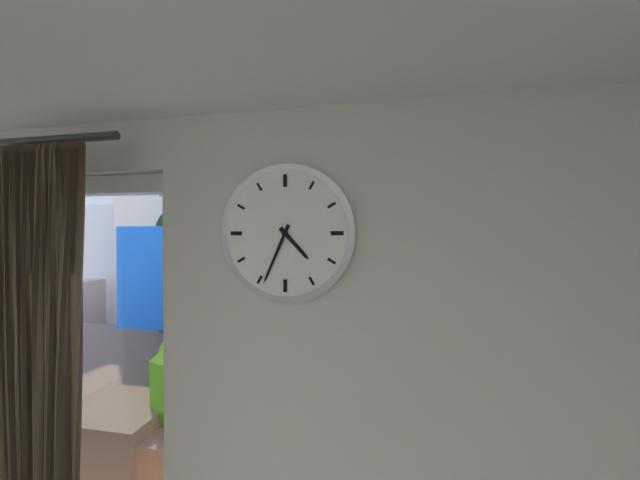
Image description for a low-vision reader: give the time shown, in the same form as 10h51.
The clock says 4h34
